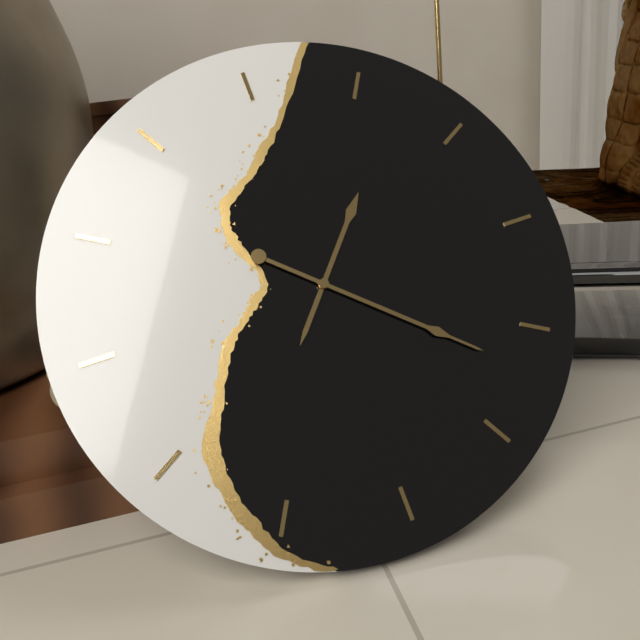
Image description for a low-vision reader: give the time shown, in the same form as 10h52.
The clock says 1h22
